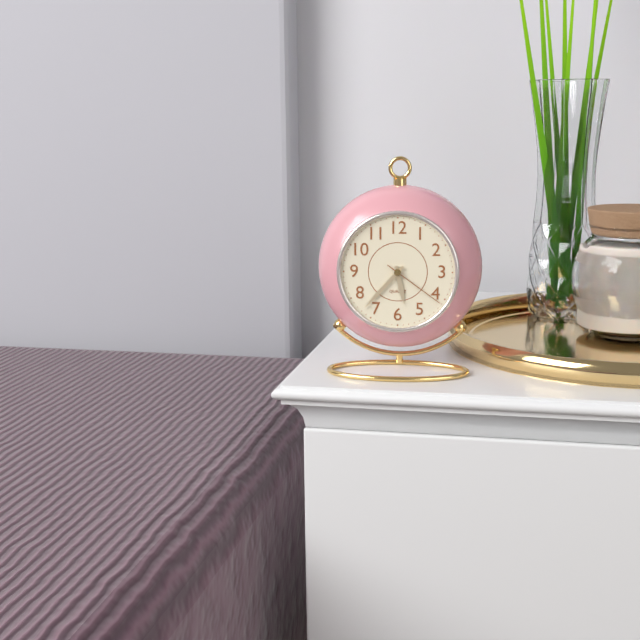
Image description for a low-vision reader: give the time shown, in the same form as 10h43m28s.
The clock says 5h37m21s
